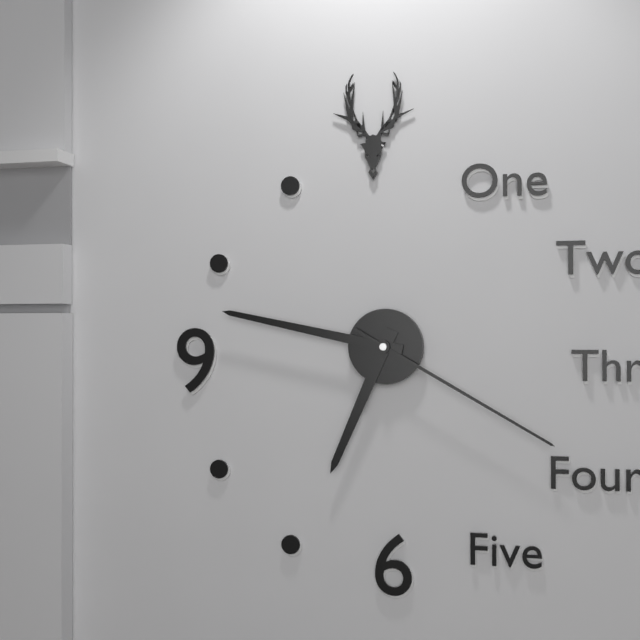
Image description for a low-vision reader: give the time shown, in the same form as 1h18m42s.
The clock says 6h47m20s
